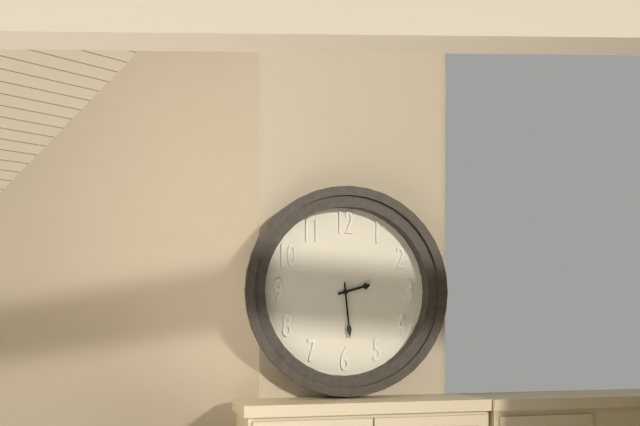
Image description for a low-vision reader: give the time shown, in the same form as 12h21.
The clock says 2h29
